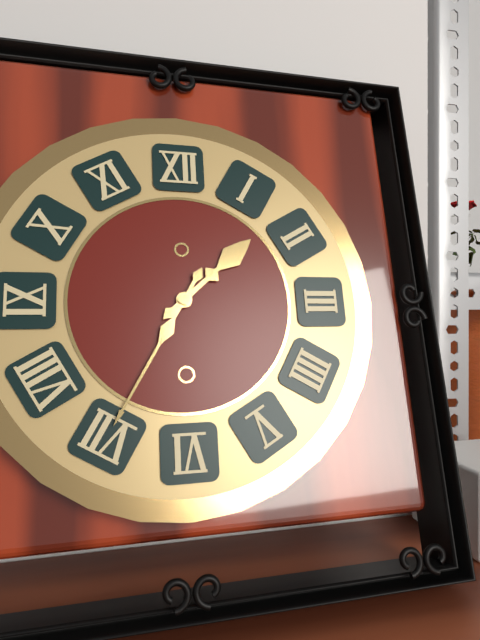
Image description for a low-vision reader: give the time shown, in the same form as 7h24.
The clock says 1h35
